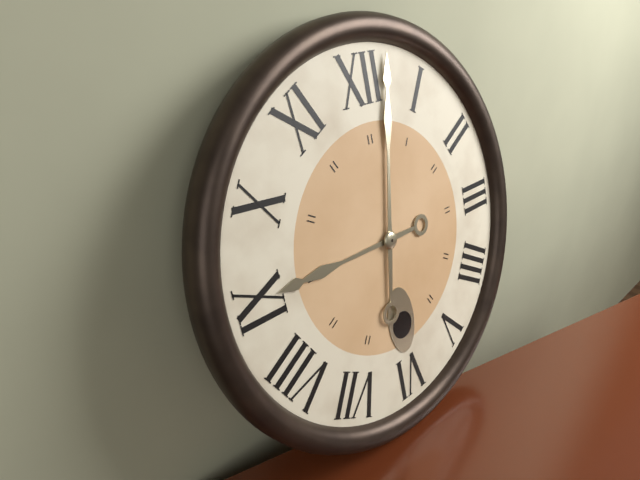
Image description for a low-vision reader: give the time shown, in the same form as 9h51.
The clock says 9h02
